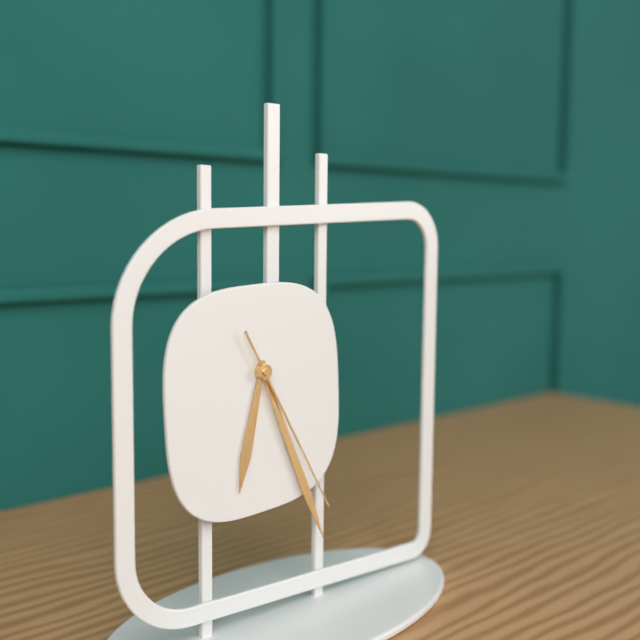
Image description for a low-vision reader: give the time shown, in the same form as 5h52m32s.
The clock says 6h26m25s
